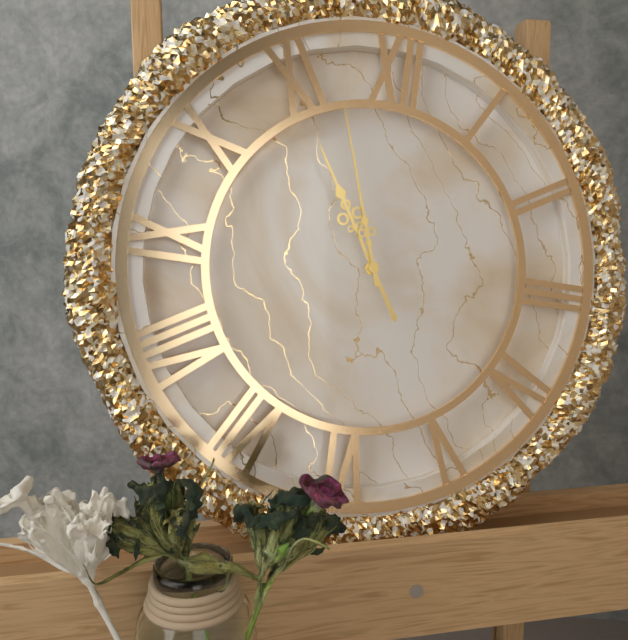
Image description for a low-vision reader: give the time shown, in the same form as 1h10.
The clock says 10h57
